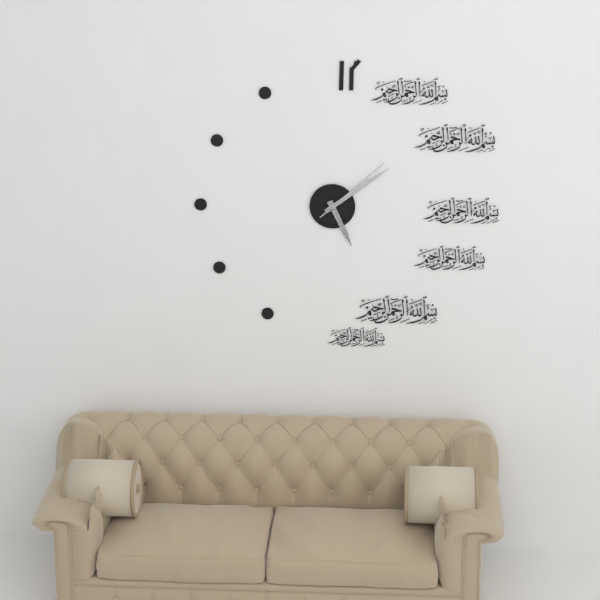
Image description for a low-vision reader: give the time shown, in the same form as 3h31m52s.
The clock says 5h09m08s
